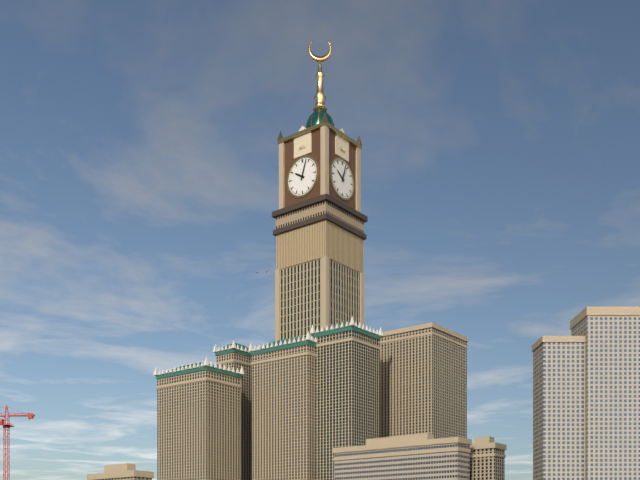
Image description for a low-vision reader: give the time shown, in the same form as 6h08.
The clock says 10h03
